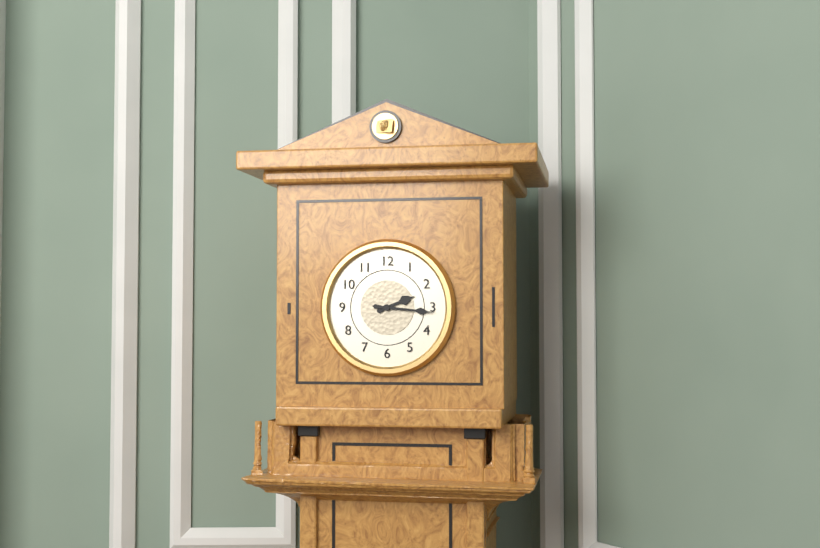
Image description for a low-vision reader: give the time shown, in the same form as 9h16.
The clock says 2h16
